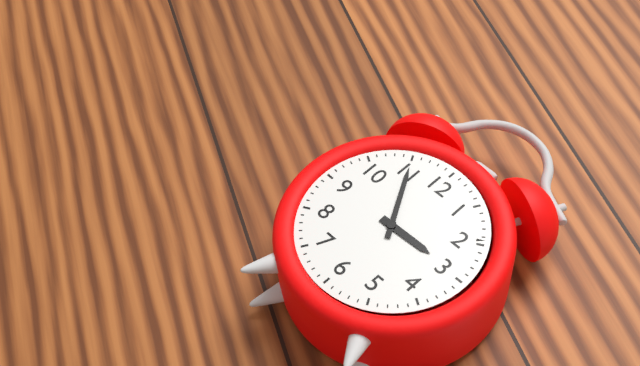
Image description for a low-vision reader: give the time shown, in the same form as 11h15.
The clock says 2h55
